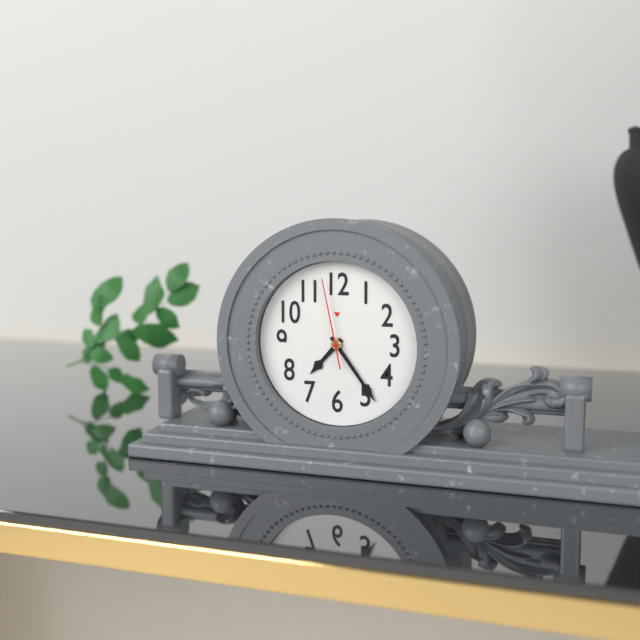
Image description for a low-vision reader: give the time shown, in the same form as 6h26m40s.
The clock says 7h24m58s
